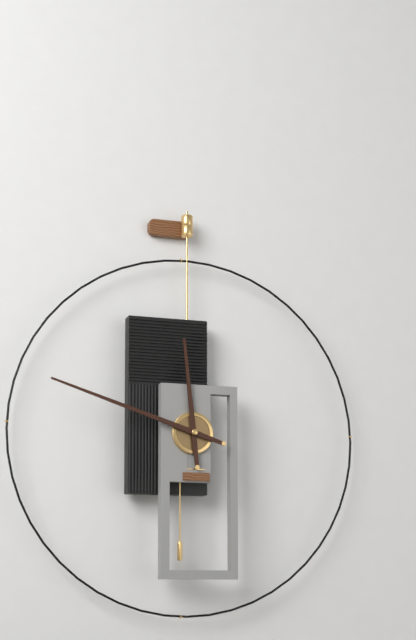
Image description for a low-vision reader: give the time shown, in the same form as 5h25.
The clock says 11h48
